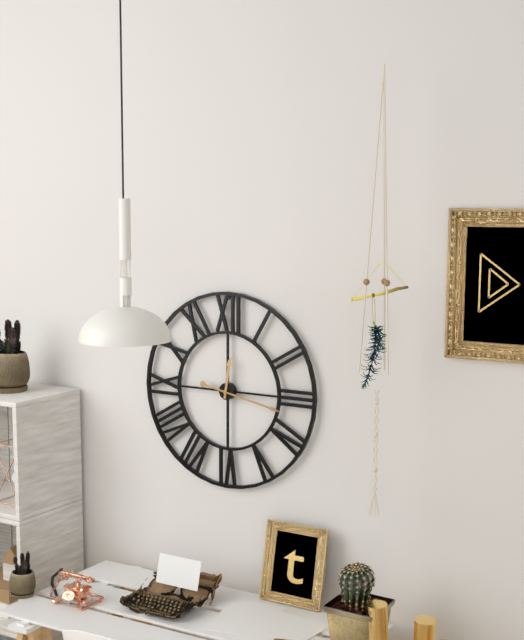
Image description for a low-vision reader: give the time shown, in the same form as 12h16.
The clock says 12h17
